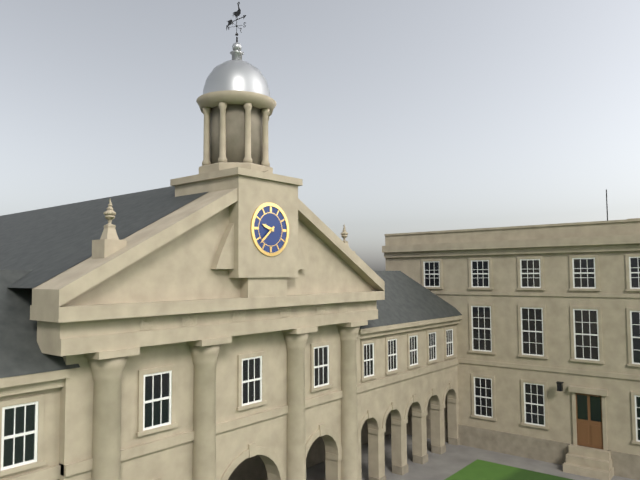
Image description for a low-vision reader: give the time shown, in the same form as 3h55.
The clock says 9h38
